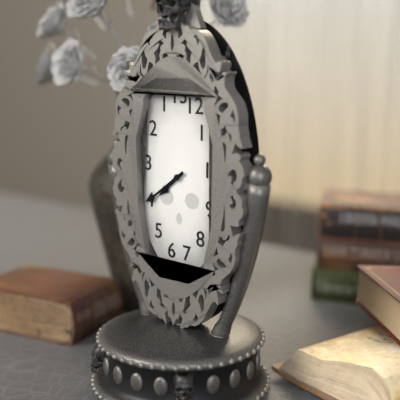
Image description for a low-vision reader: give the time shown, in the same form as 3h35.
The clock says 7h39
